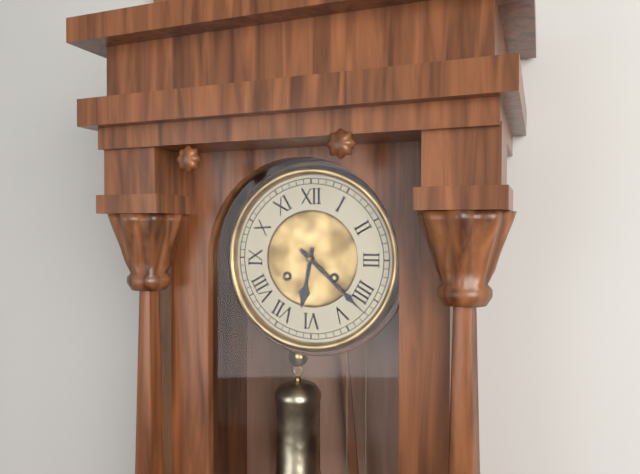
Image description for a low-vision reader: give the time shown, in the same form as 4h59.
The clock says 6h22
